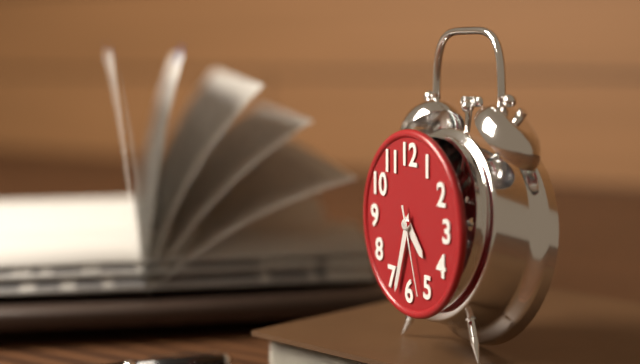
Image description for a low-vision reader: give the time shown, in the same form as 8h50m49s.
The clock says 4h33m27s
